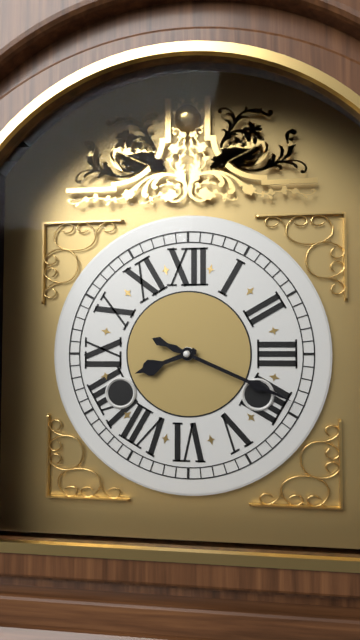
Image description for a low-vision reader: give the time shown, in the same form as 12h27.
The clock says 8h19
